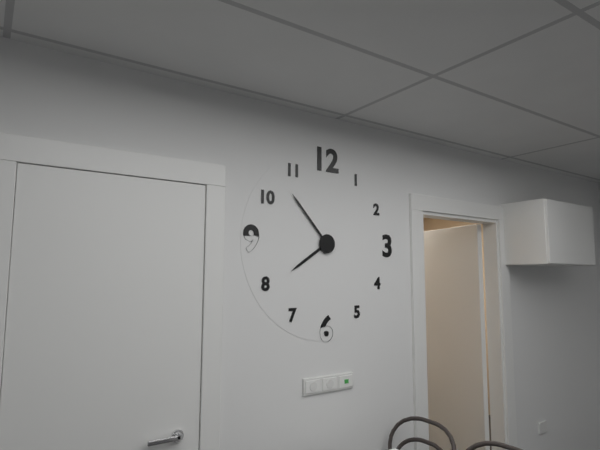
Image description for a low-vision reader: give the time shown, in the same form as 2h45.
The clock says 7h53
